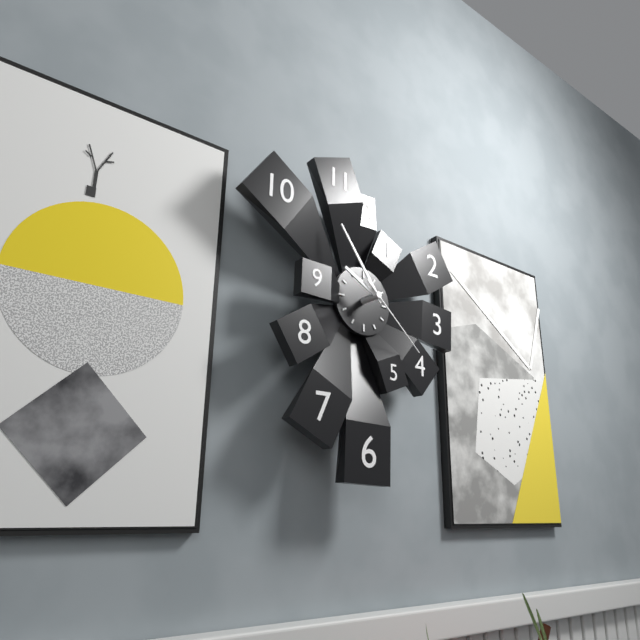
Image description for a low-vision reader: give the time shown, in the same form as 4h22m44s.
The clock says 9h54m22s
